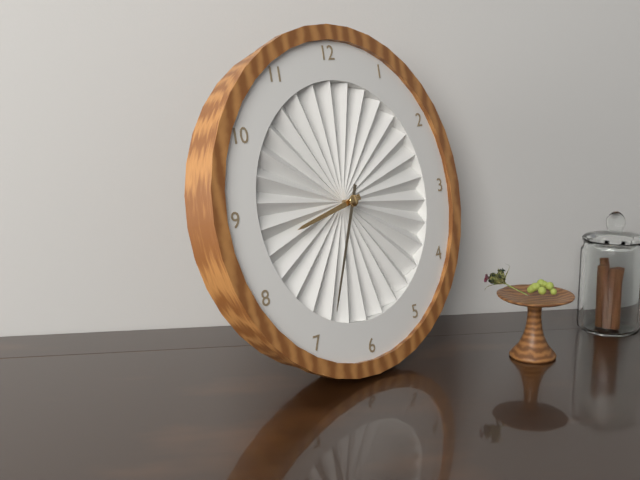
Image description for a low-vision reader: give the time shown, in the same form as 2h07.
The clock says 8h34
